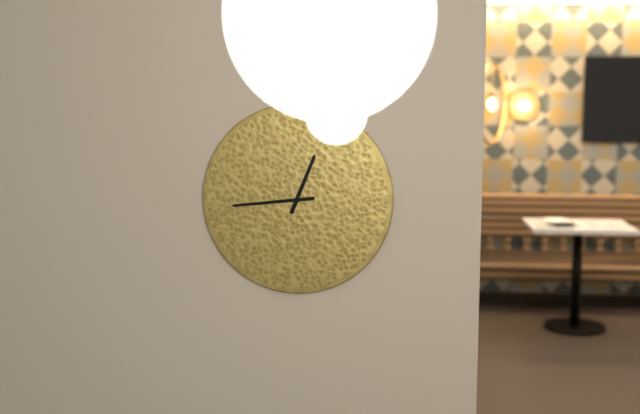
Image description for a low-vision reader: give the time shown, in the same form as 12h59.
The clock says 12h44
